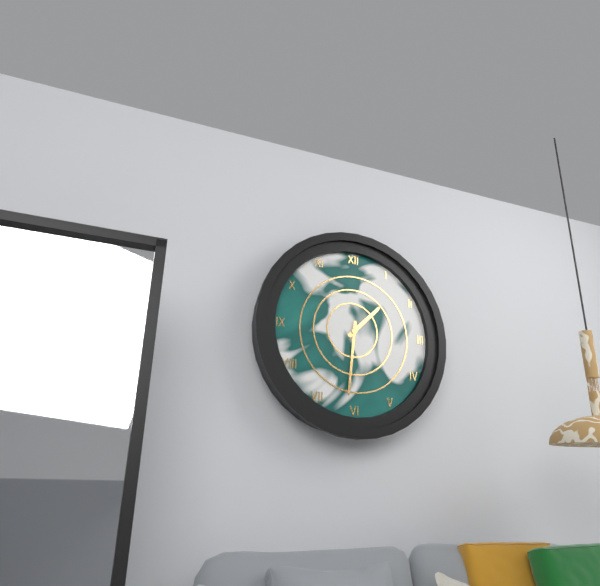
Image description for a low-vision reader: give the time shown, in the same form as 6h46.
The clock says 1h31
